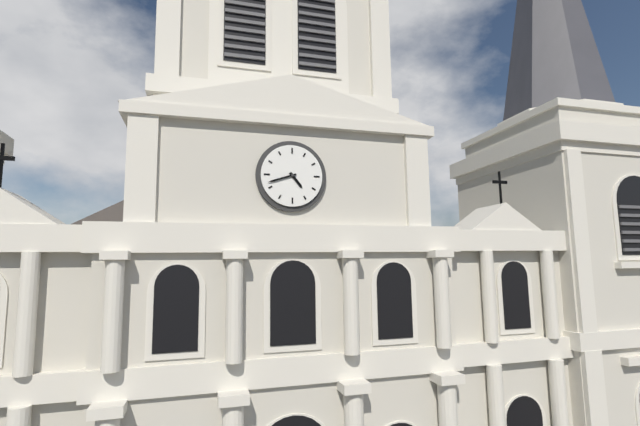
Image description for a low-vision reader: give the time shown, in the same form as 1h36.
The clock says 4h42
